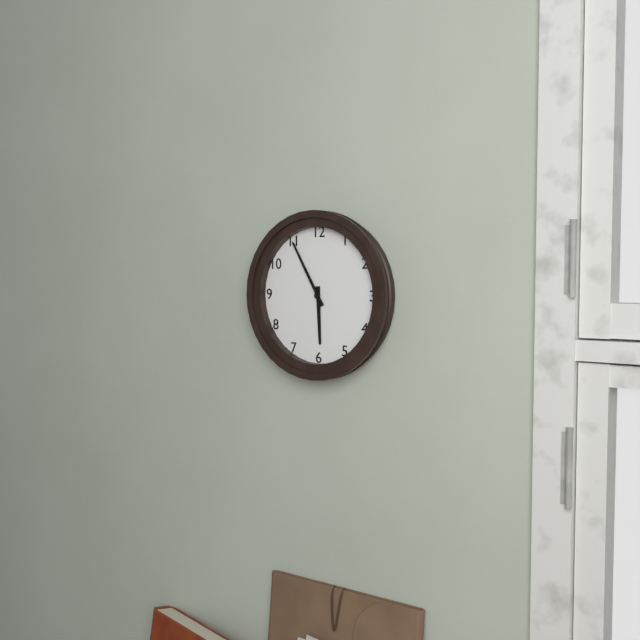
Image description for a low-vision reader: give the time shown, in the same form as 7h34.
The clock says 5h55
